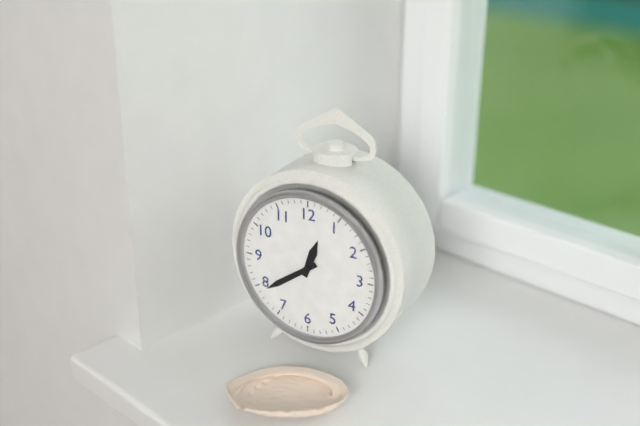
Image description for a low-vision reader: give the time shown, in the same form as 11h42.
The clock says 12h39
